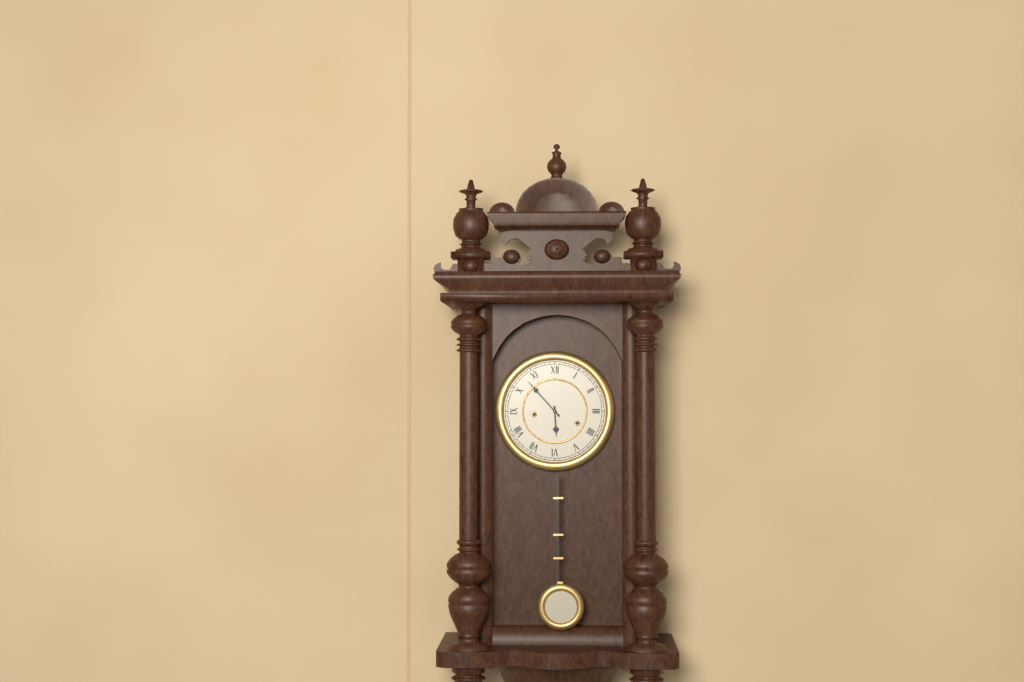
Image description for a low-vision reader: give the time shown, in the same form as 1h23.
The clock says 5h53
